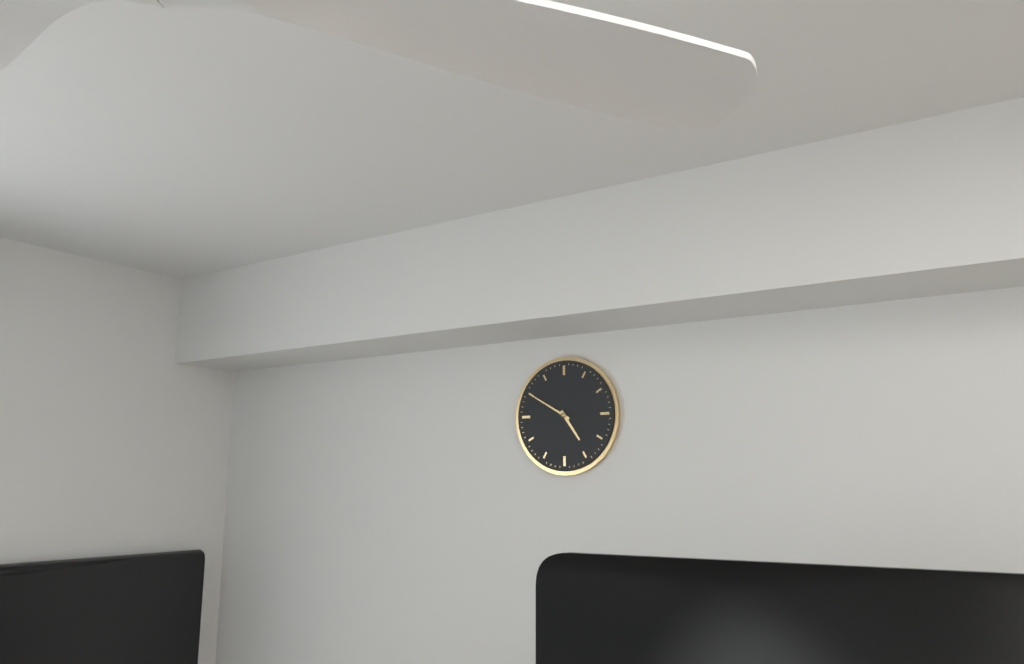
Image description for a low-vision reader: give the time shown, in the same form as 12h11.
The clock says 4h50
